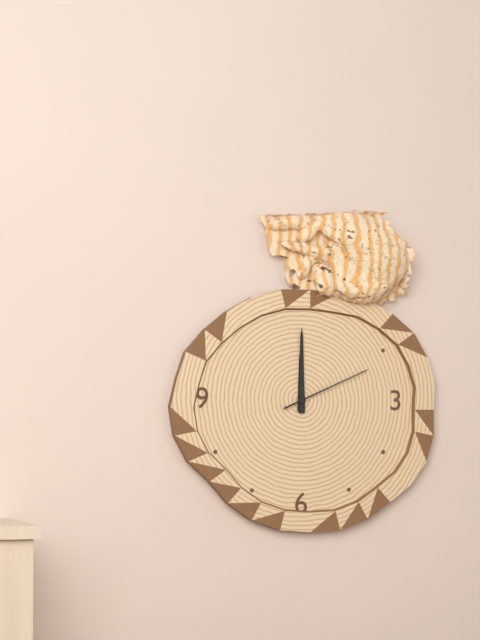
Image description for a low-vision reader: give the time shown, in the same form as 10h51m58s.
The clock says 12h00m11s
